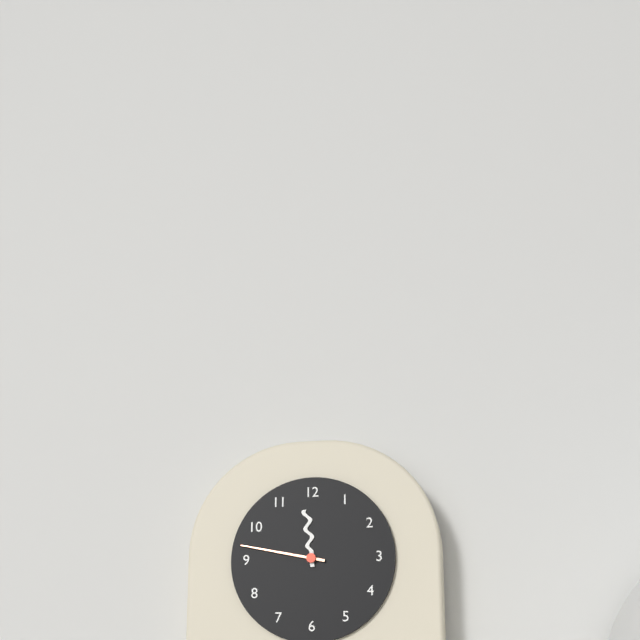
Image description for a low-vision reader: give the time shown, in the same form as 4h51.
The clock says 11h47
